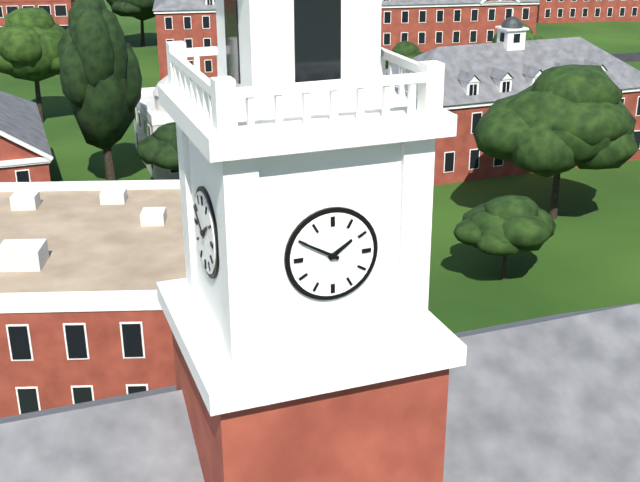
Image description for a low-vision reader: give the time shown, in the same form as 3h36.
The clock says 1h50
